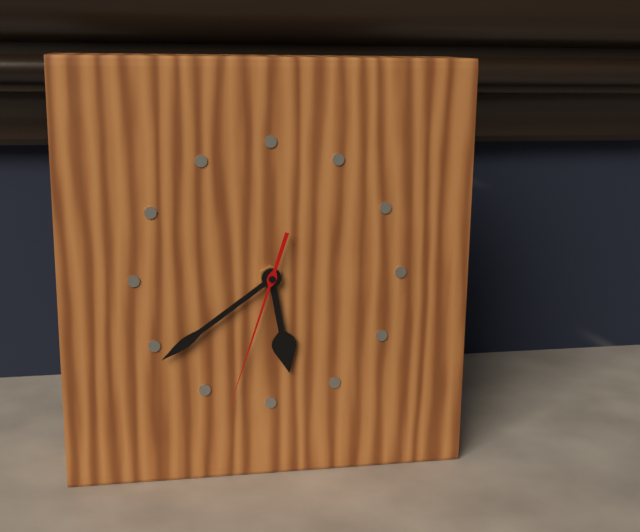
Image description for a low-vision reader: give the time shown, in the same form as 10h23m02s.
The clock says 5h39m33s
